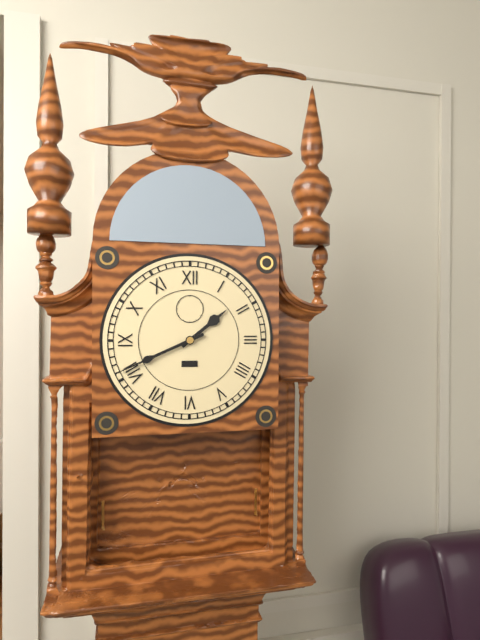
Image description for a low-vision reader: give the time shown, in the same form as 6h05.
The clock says 1h41
